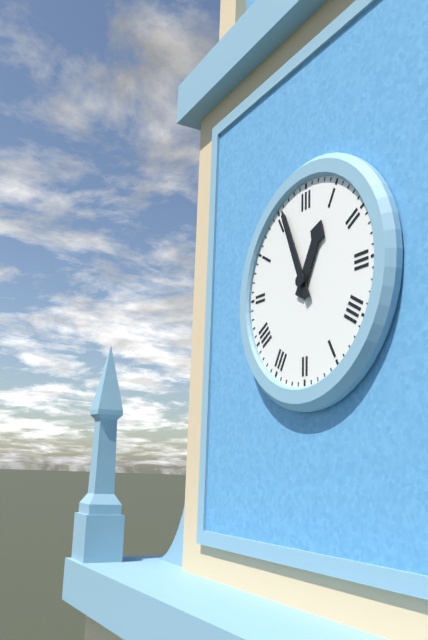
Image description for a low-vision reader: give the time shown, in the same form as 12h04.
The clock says 12h56
